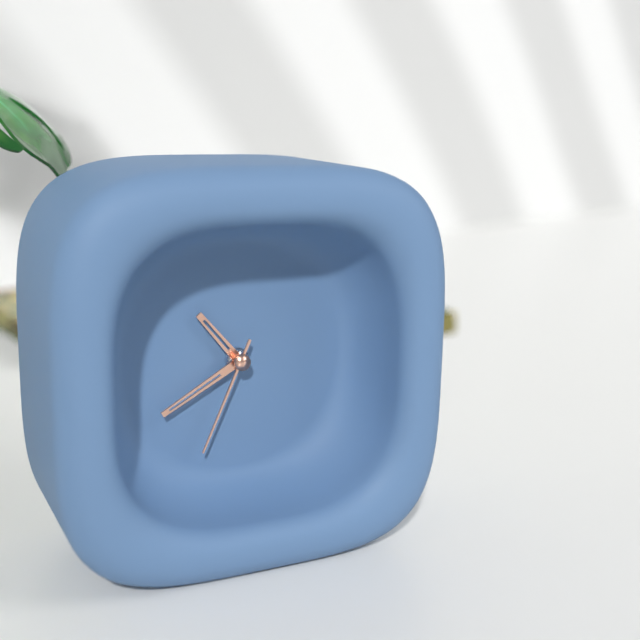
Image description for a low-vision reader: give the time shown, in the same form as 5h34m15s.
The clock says 10h40m34s
